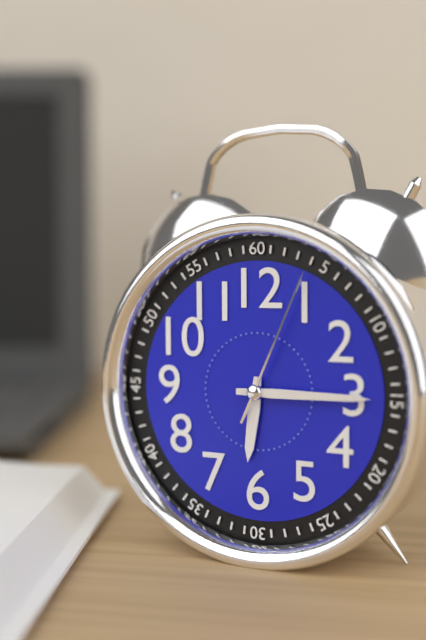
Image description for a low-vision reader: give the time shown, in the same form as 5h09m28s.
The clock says 6h15m04s
